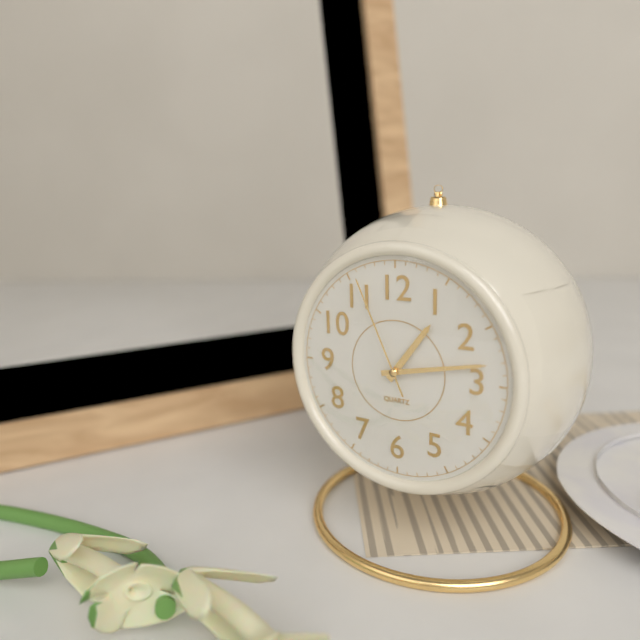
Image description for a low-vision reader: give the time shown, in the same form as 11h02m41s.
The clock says 1h13m56s
